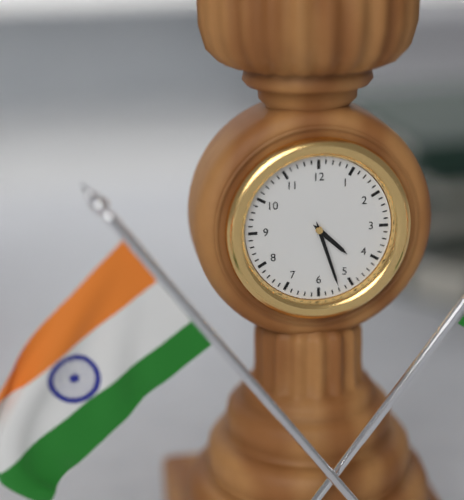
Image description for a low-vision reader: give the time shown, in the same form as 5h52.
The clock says 4h27
